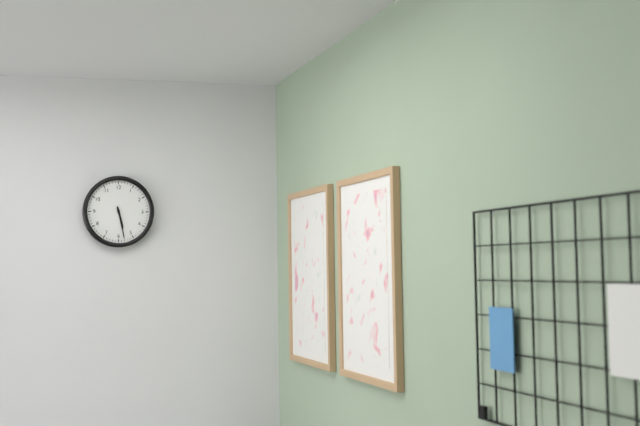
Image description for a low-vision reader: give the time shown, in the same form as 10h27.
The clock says 5h28
